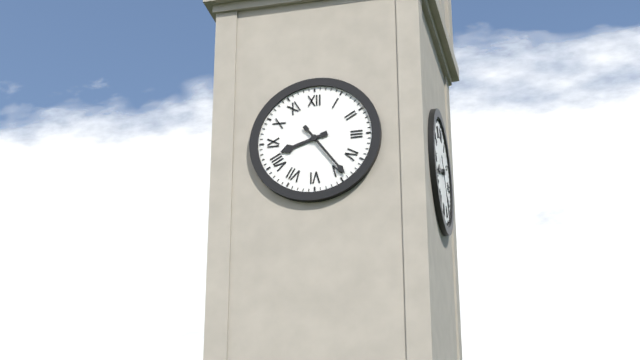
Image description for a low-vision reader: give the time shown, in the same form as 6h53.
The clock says 8h24
